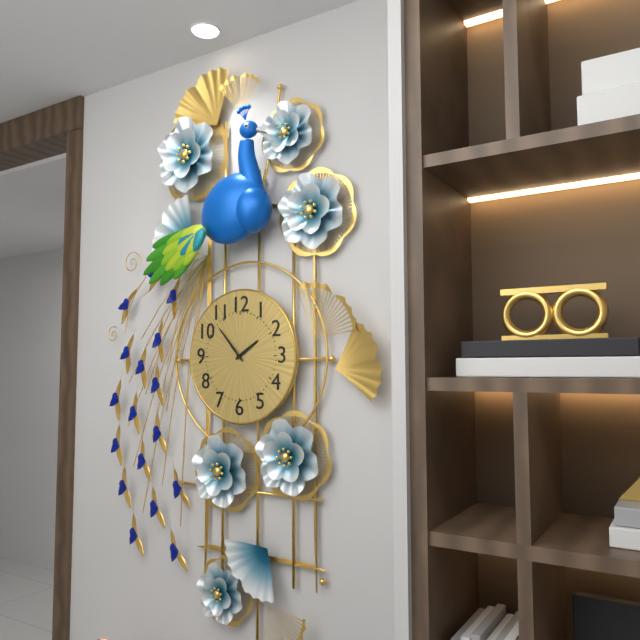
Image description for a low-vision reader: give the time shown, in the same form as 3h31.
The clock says 1h53
